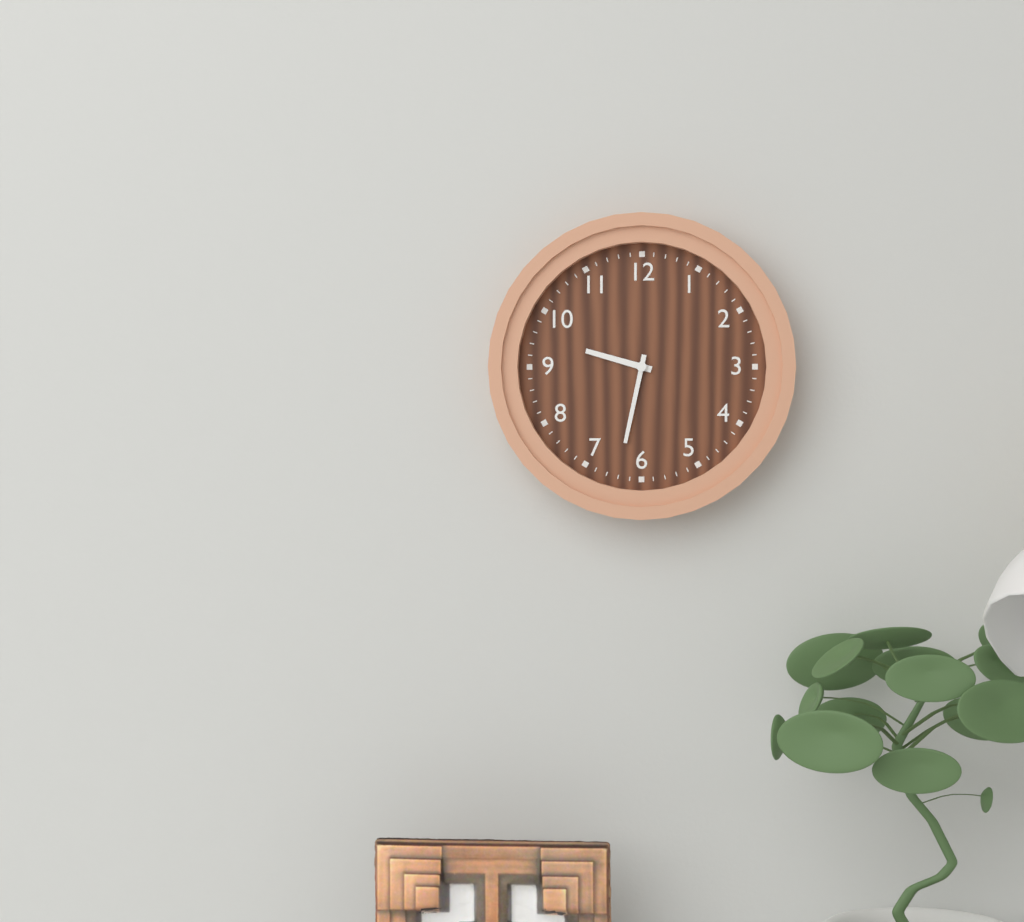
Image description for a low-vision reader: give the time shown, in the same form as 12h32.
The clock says 9h32
